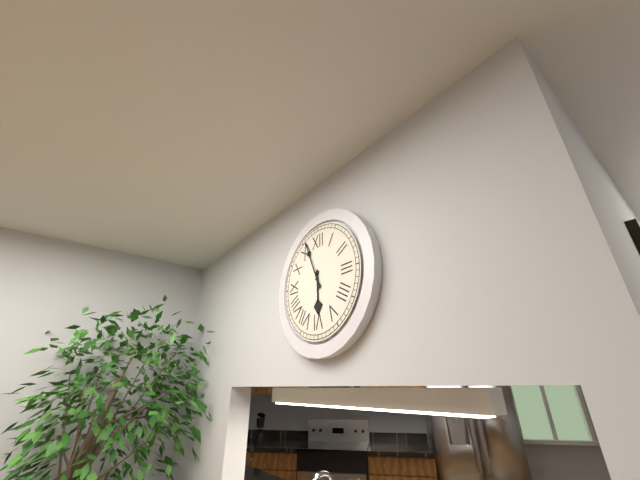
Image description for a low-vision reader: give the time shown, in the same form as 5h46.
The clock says 5h56
